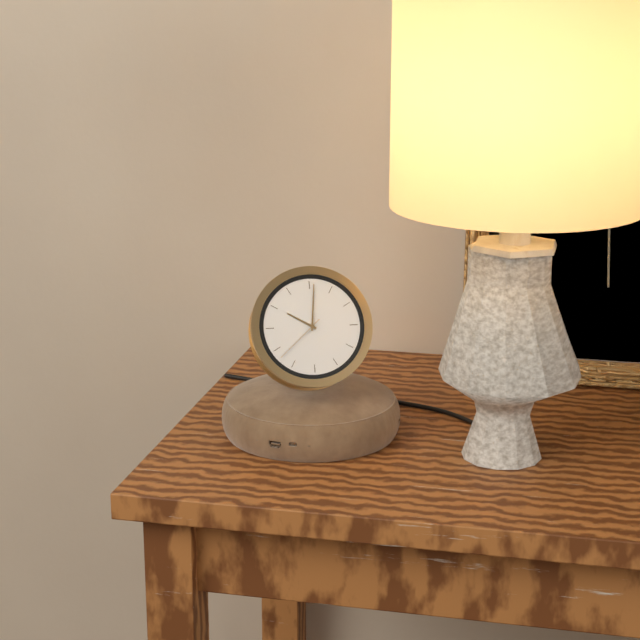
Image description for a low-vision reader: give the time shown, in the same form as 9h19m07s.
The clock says 10h01m38s
